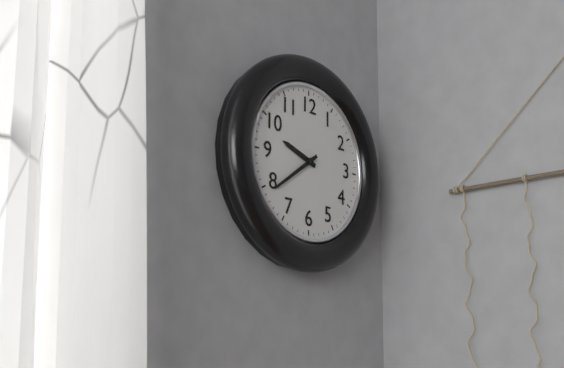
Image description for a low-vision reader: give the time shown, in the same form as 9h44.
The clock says 9h39
